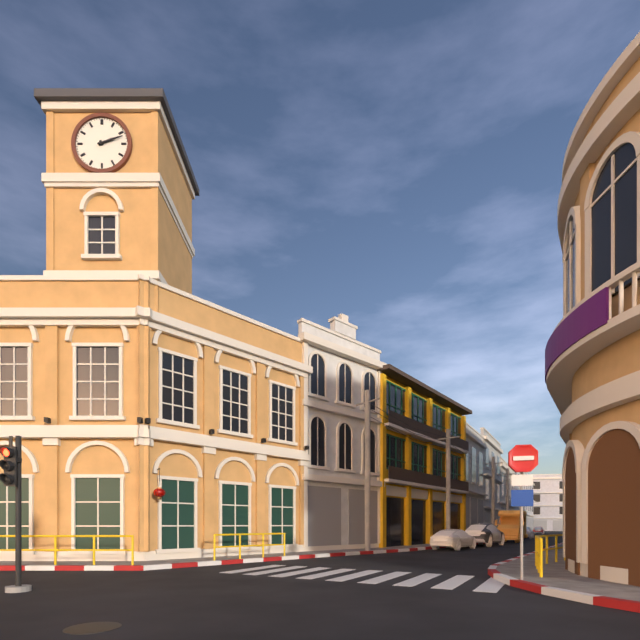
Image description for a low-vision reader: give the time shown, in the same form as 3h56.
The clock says 2h12
